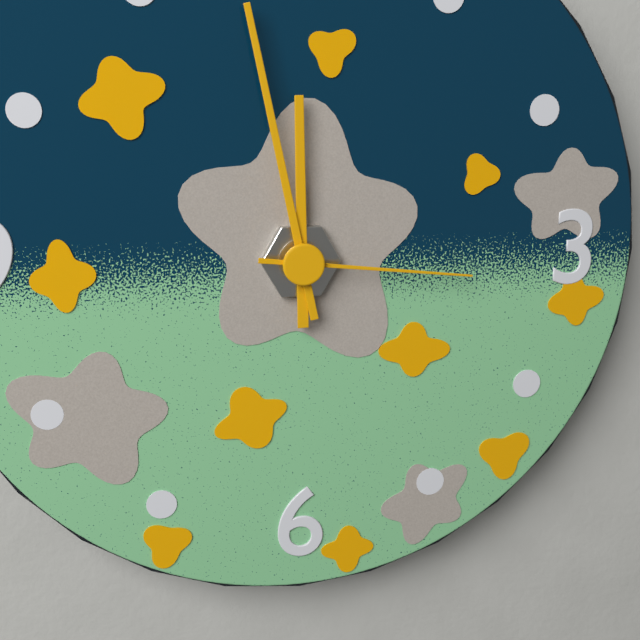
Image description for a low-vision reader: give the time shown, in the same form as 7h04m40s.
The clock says 11h58m16s
